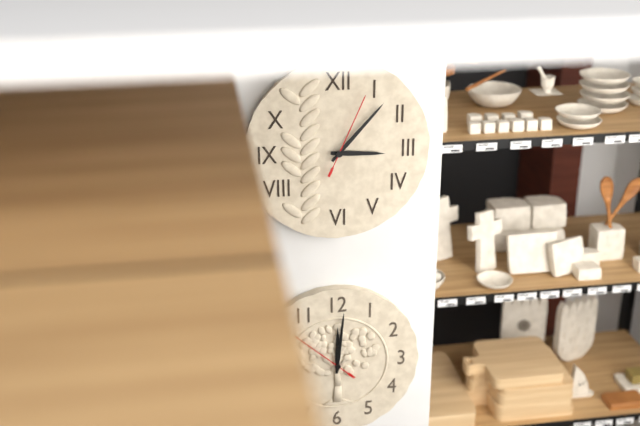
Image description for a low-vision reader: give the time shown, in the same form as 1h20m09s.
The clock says 3h07m04s
